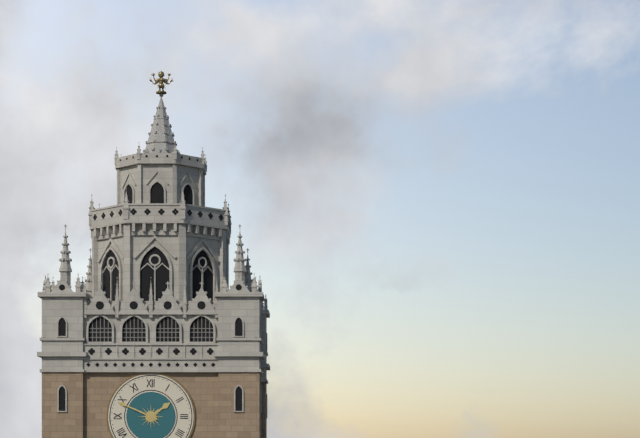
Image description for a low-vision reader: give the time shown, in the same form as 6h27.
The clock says 1h49
